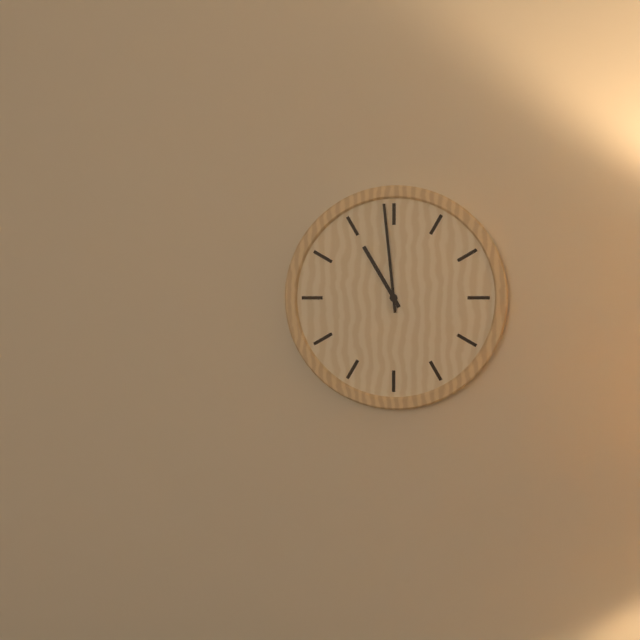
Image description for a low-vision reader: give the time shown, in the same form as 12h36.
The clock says 10h59
